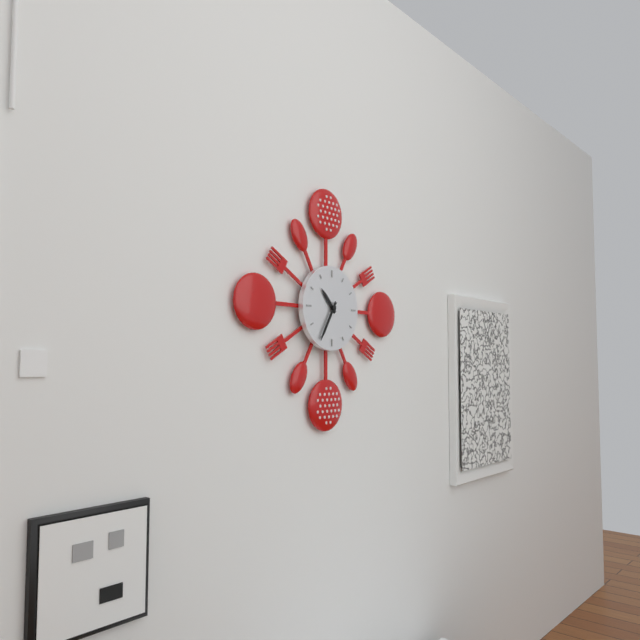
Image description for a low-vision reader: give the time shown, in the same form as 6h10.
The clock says 10h35
